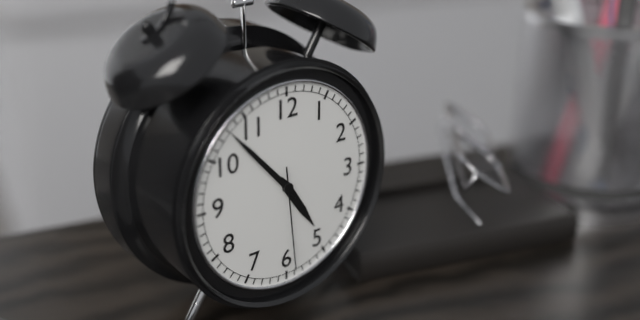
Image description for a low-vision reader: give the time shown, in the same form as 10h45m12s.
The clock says 4h53m29s
